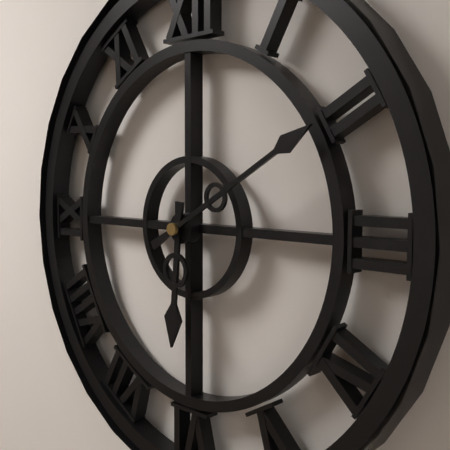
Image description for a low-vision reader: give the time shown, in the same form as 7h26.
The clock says 6h10
